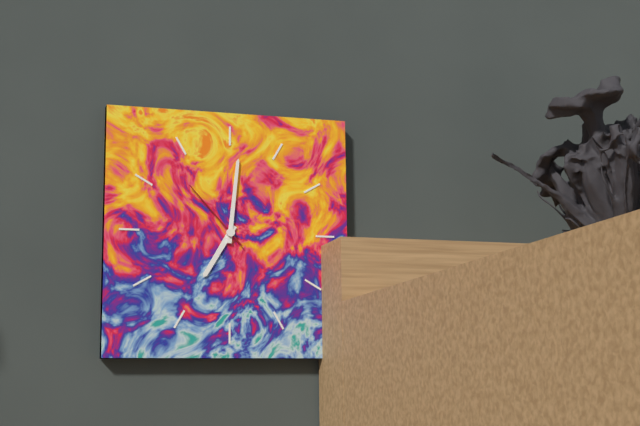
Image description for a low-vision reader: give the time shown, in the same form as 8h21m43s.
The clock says 7h01m53s
